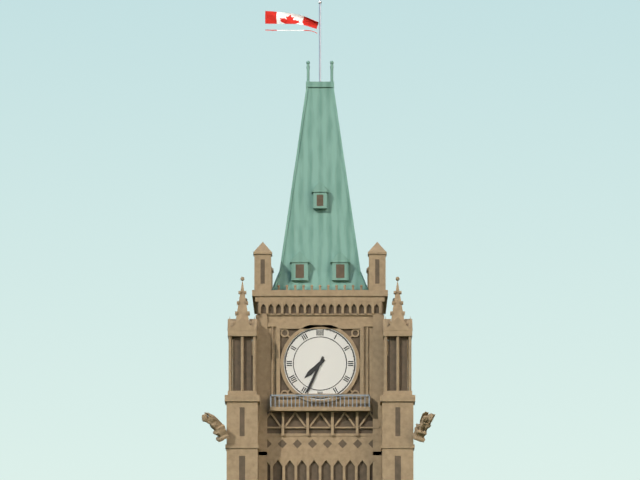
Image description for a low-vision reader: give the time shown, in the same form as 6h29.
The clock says 7h34
